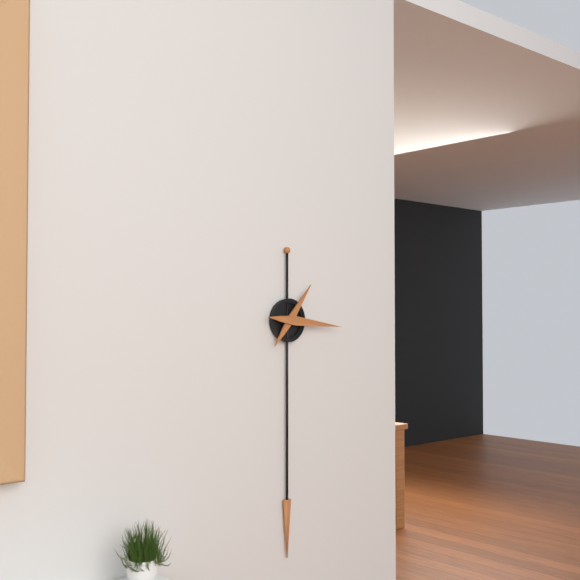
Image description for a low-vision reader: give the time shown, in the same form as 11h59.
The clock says 1h16
